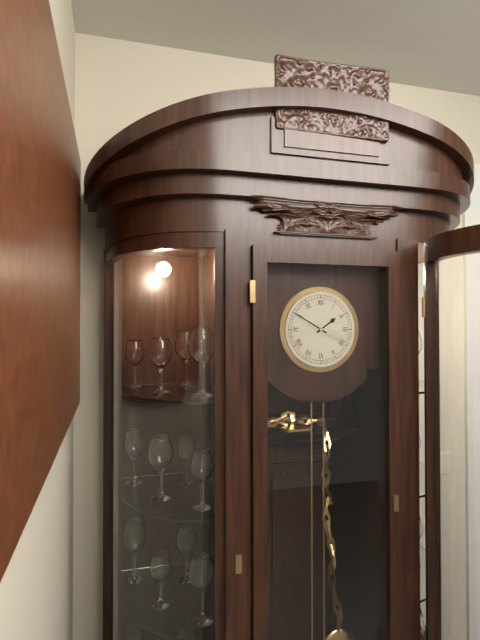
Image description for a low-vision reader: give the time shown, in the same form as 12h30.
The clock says 1h50
